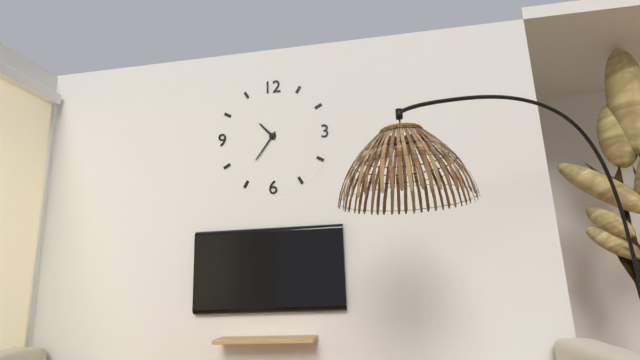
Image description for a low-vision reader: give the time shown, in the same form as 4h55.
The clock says 10h36
